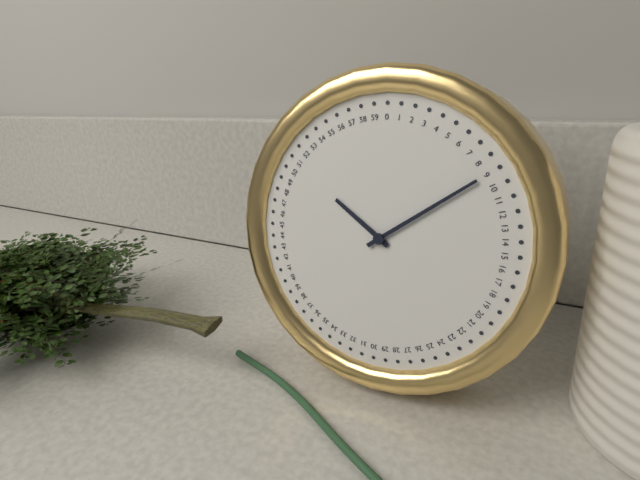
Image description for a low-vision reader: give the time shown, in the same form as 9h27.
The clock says 10h09
